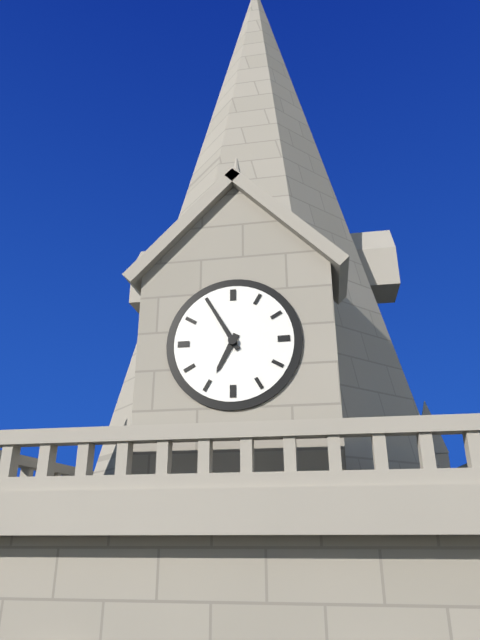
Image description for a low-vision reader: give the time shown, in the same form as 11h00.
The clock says 6h55
